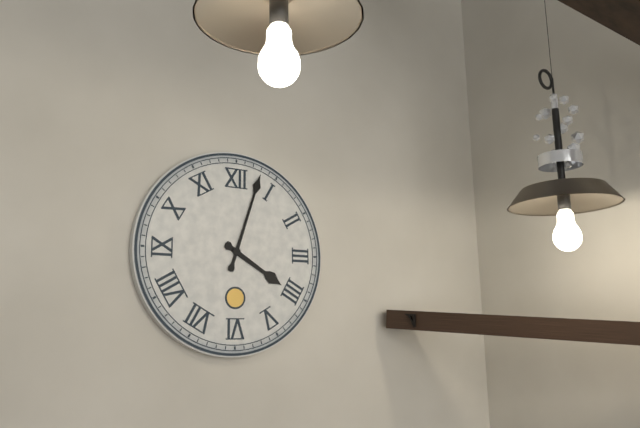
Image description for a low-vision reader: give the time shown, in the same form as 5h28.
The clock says 4h03
